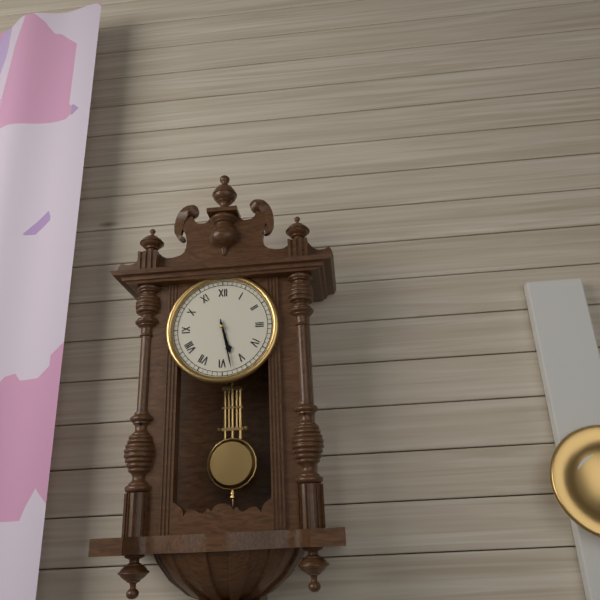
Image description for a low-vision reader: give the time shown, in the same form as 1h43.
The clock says 5h28
